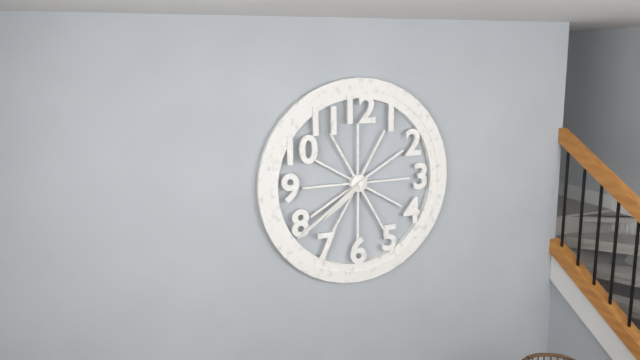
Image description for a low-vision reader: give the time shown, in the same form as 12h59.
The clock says 7h39
